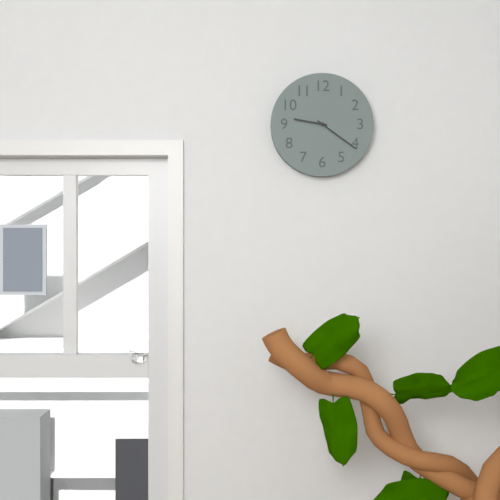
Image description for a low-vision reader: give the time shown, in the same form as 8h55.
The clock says 9h21
